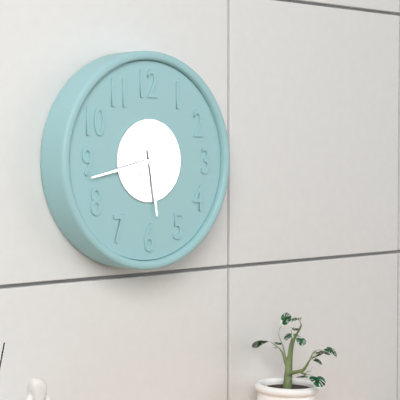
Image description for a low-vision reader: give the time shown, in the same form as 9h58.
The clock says 5h43
